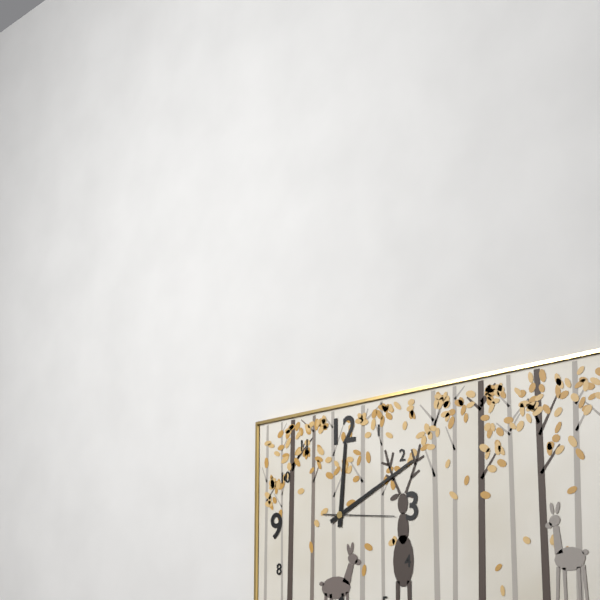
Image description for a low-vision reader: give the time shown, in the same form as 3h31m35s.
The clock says 12h11m16s
